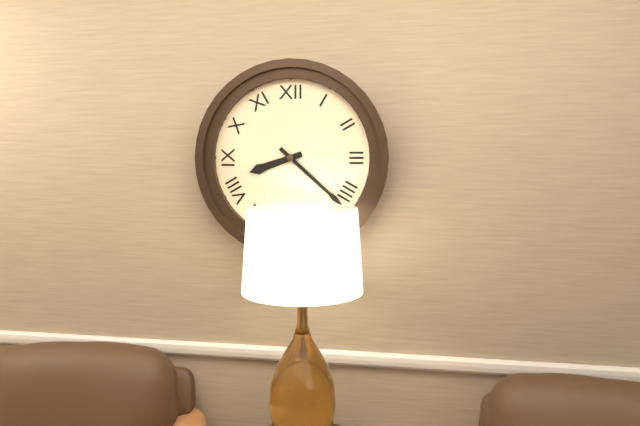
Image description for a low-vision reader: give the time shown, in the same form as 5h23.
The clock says 8h22
